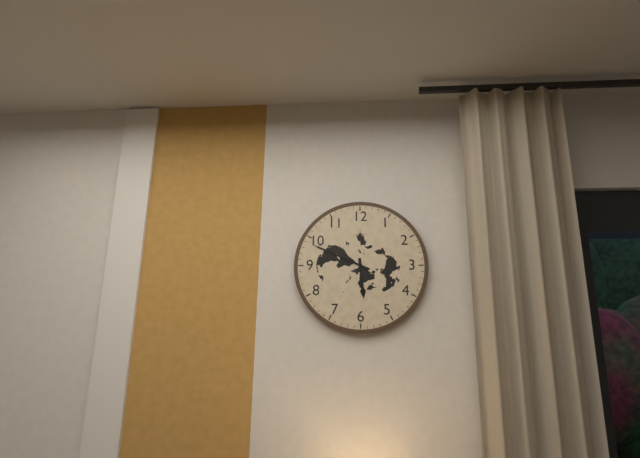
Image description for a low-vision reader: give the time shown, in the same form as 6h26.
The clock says 5h49
